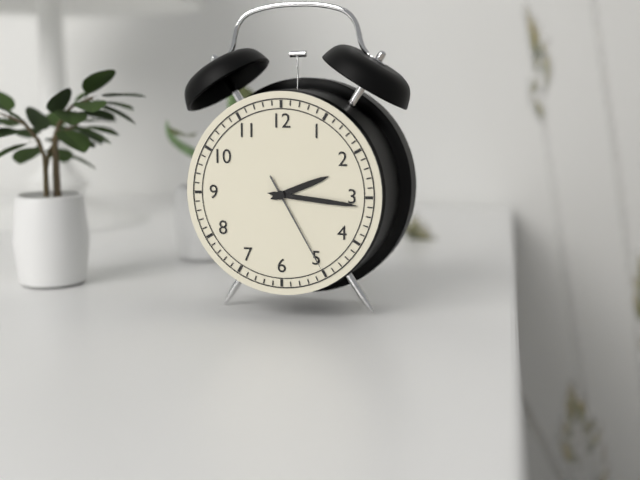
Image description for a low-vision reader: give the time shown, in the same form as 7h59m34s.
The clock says 2h16m25s
